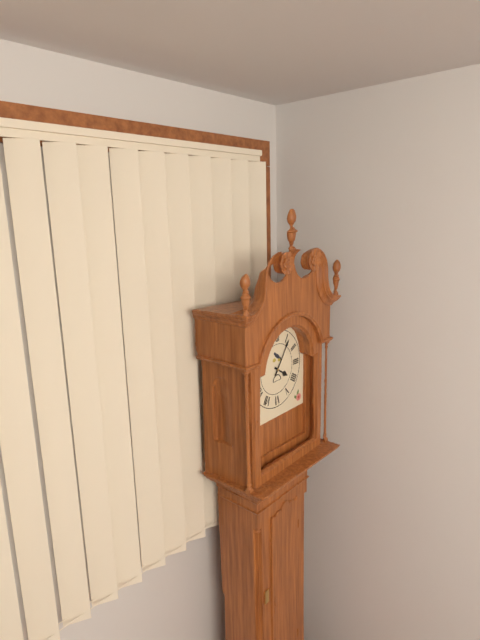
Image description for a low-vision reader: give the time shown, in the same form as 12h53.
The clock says 4h06
